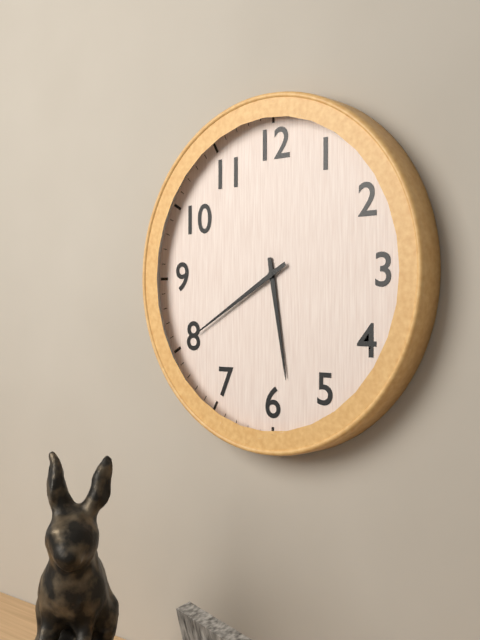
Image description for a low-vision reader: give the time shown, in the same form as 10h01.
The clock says 5h40
